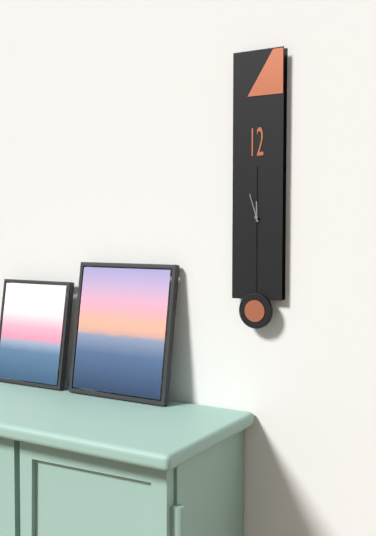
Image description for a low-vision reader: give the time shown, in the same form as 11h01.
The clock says 11h57
